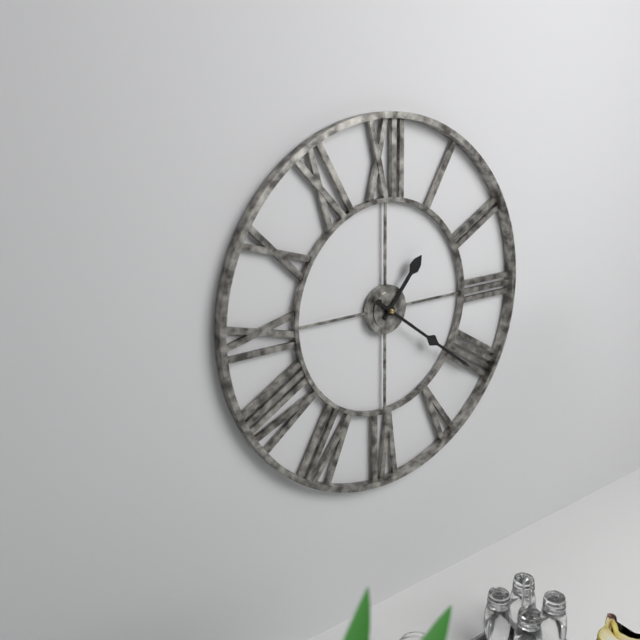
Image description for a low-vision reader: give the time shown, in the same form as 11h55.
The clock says 1h21
